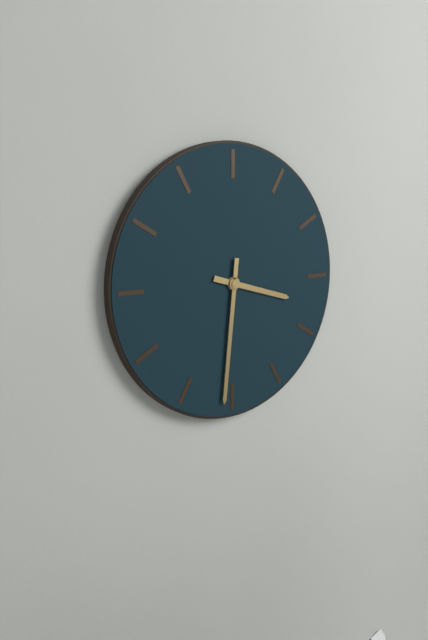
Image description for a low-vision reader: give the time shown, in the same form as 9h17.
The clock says 3h31
